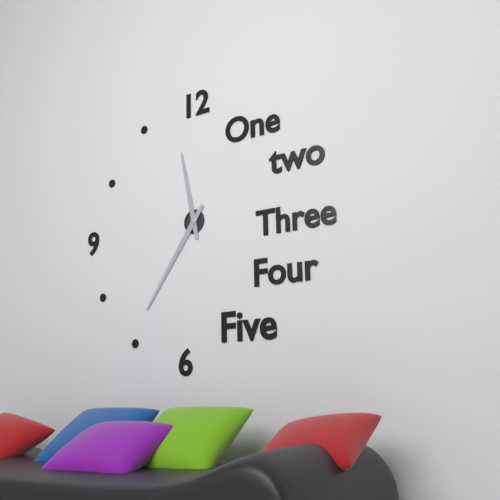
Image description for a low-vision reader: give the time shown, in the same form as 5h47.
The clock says 11h36
